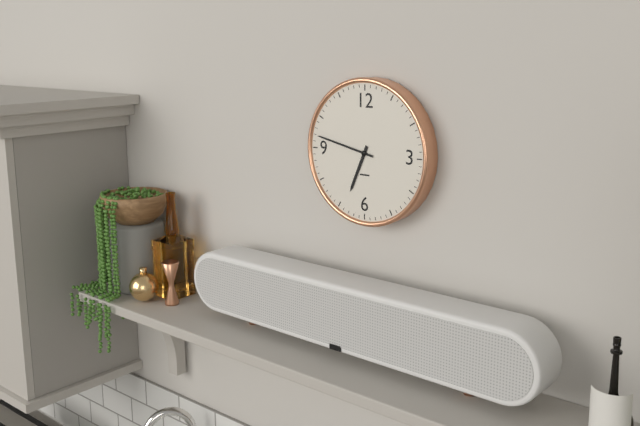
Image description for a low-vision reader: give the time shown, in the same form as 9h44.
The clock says 6h47
